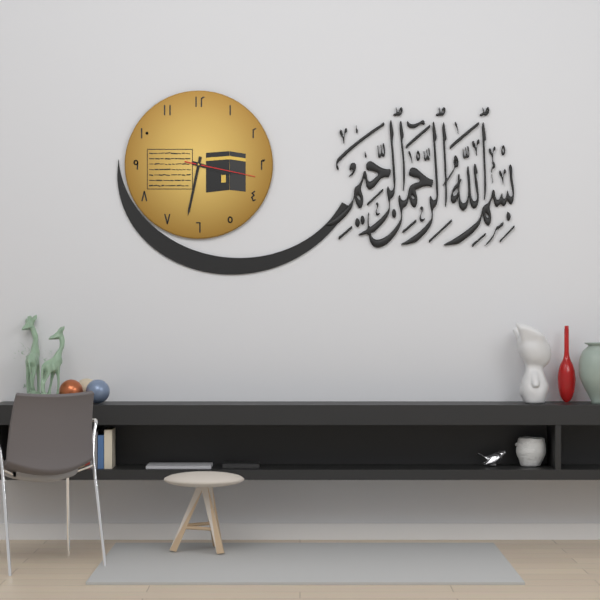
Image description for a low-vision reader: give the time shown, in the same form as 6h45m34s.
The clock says 3h32m17s
